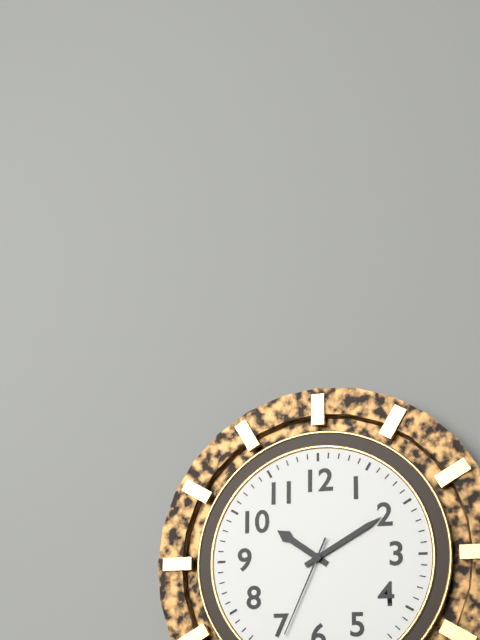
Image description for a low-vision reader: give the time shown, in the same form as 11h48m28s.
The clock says 10h10m34s
